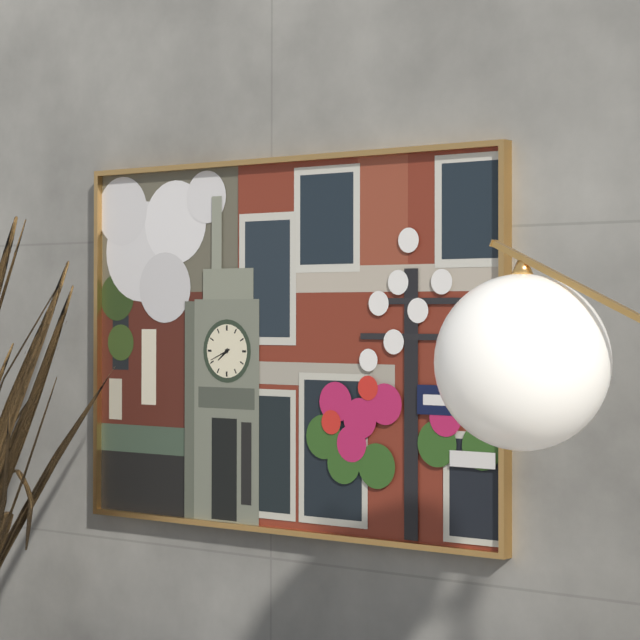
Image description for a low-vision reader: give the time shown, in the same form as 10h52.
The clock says 7h41
